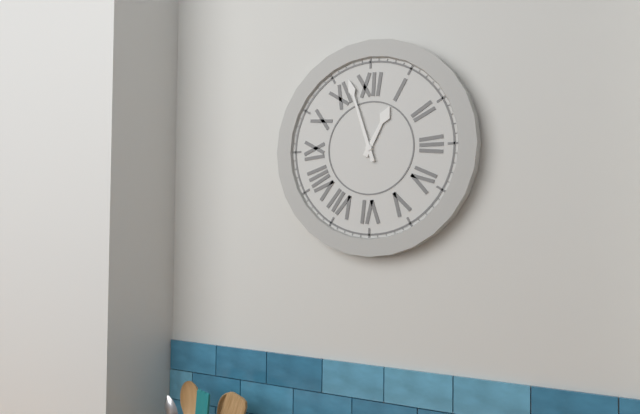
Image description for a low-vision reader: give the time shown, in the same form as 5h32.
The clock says 12h57
